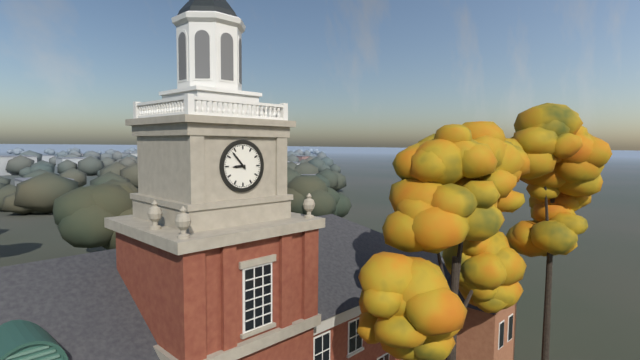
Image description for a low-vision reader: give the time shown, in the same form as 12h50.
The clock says 8h53
